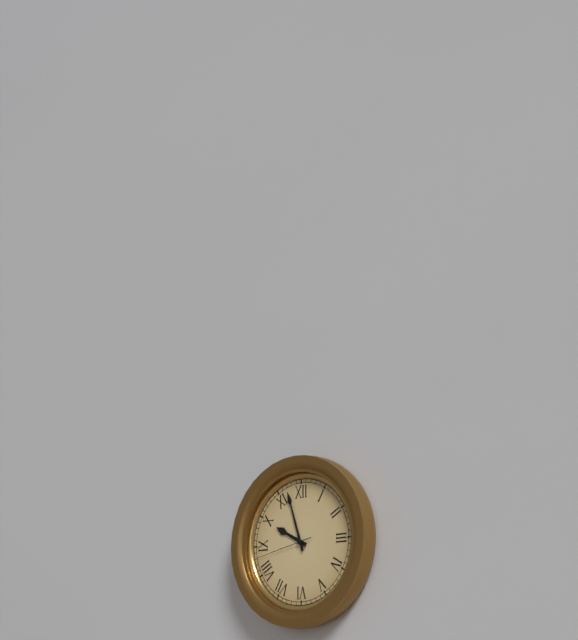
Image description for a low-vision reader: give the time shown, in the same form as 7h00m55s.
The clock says 9h57m43s
